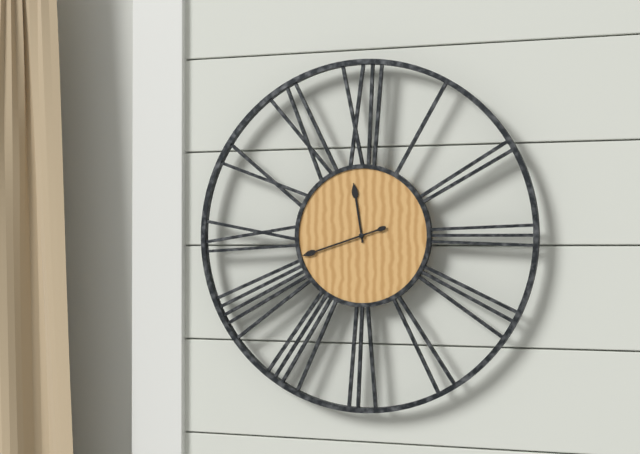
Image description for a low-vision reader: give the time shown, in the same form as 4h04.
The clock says 11h42
